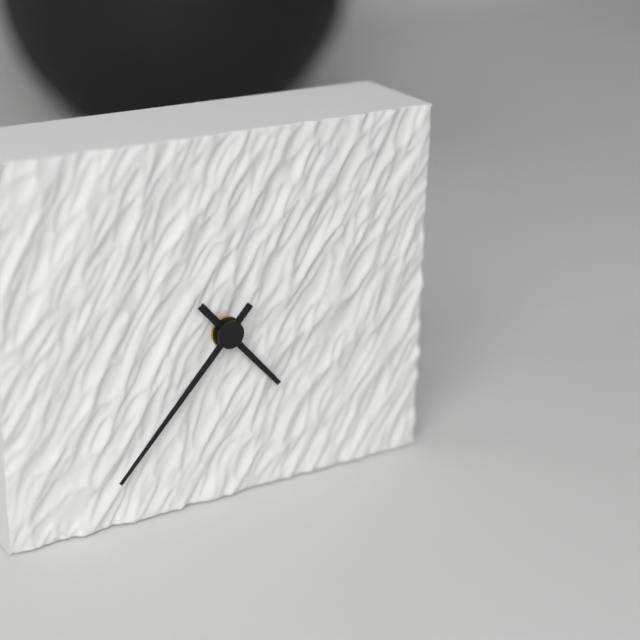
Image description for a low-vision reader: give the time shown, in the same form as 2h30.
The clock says 4h37
